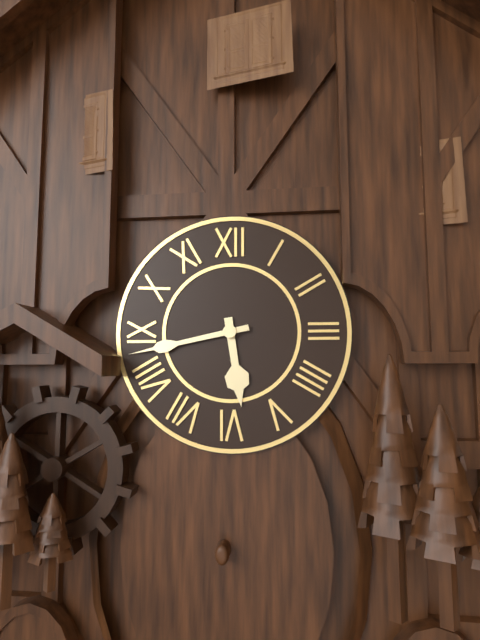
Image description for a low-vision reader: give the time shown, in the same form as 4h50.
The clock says 5h43
